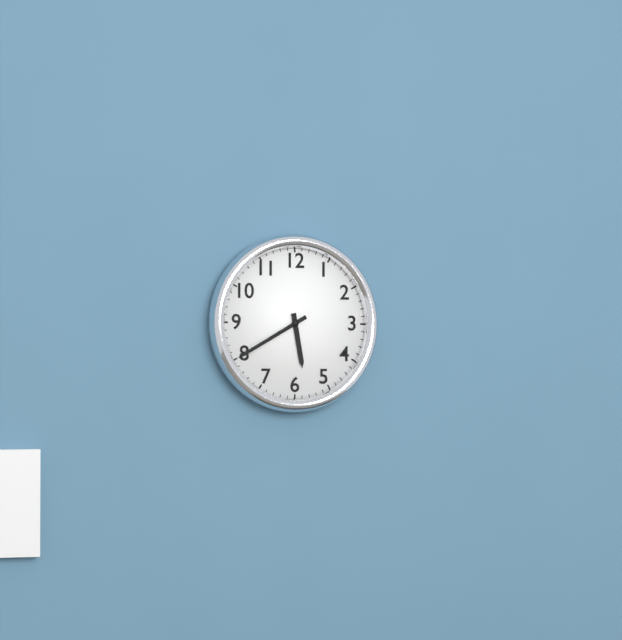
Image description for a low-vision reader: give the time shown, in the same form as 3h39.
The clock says 5h40
